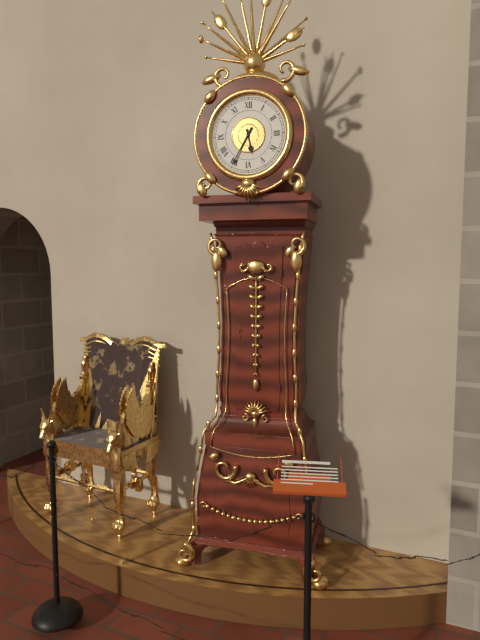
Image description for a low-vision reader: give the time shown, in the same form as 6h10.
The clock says 5h35
